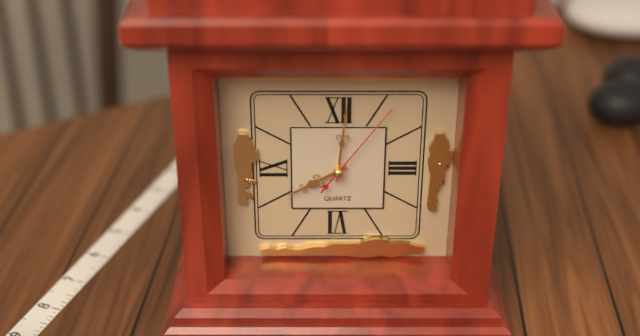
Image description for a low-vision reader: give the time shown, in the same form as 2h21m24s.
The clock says 8h01m06s
